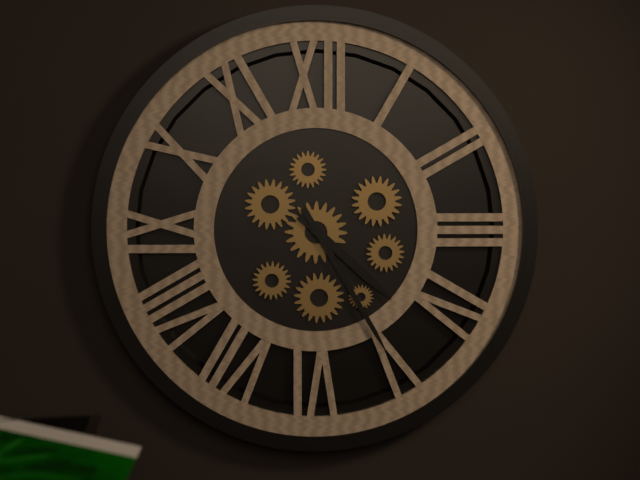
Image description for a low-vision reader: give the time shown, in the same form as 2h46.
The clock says 4h25
